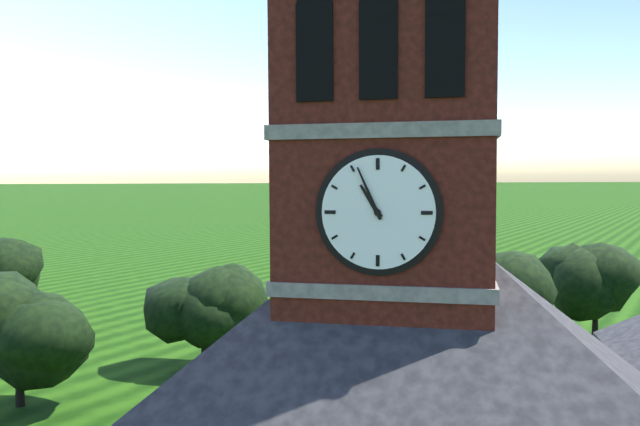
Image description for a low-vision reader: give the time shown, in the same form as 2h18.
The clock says 10h56
